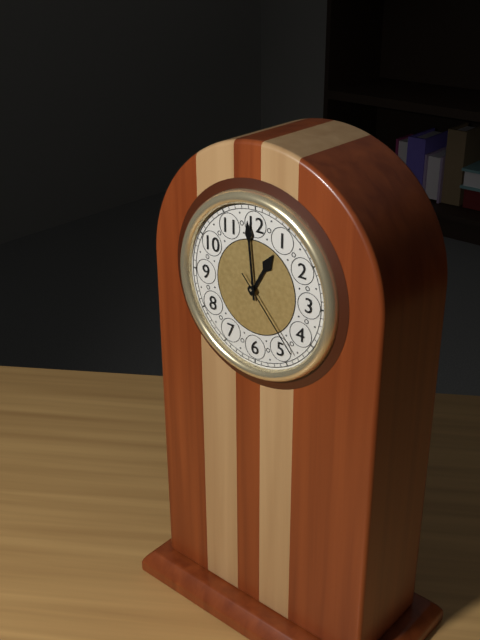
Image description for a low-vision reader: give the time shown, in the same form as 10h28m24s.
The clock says 12h59m23s
